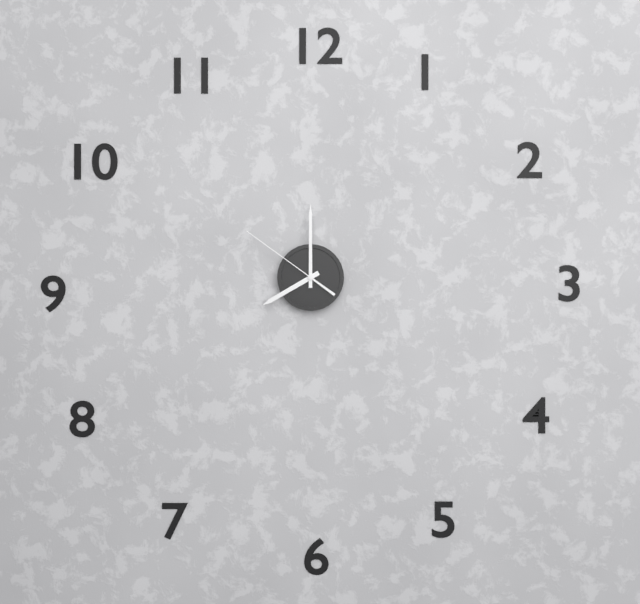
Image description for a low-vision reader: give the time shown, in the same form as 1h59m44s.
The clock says 8h00m51s
